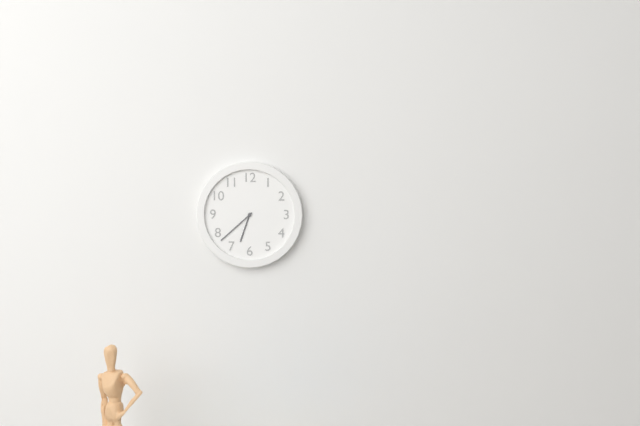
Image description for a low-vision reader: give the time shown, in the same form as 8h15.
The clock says 6h38
